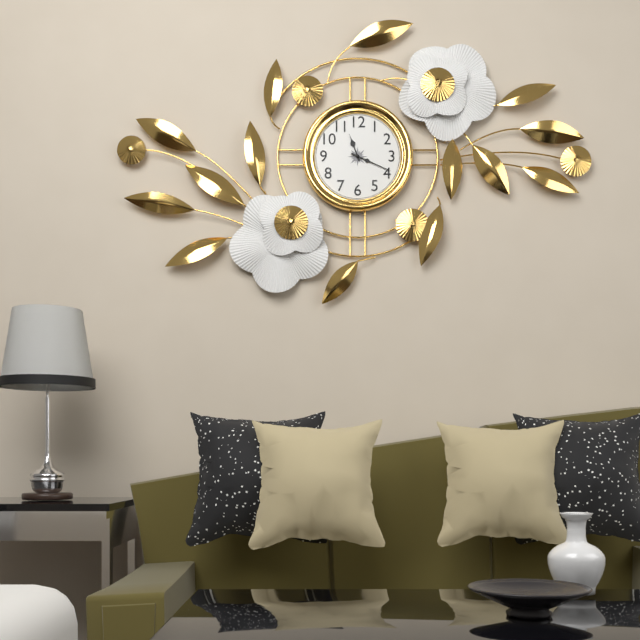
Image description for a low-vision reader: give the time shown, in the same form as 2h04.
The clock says 11h19
